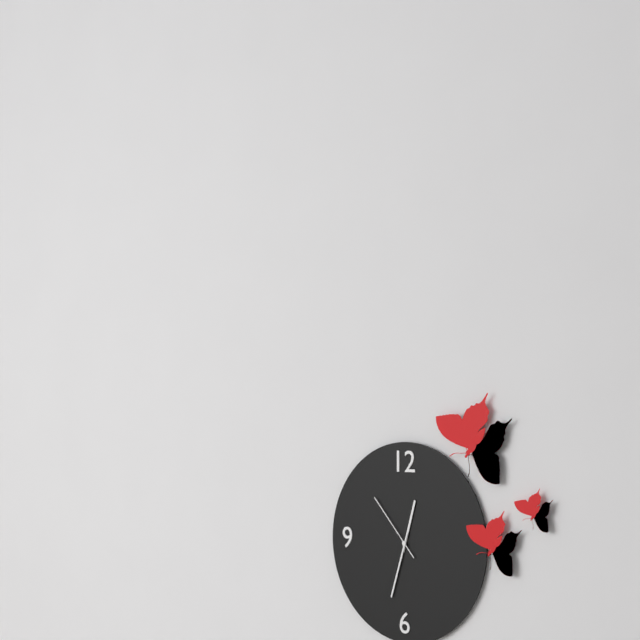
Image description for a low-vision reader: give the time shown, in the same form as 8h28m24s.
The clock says 12h33m53s
